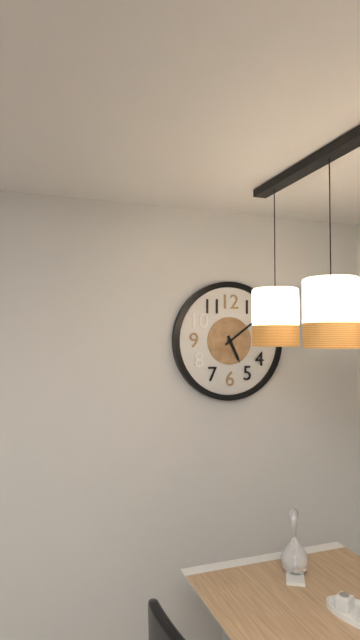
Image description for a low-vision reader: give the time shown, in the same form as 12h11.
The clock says 5h09
